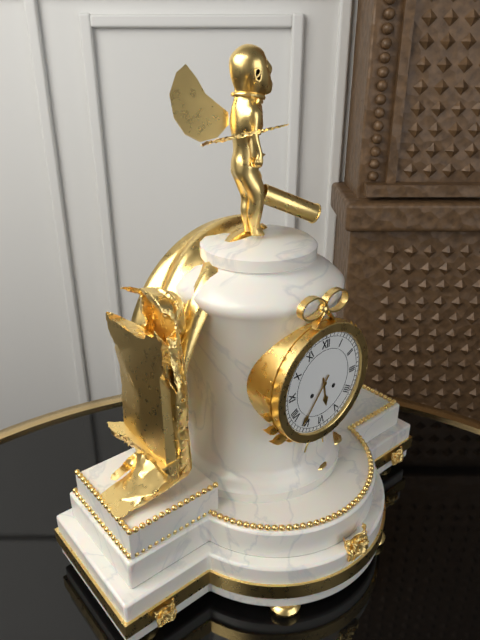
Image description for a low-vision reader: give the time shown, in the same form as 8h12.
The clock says 5h36
